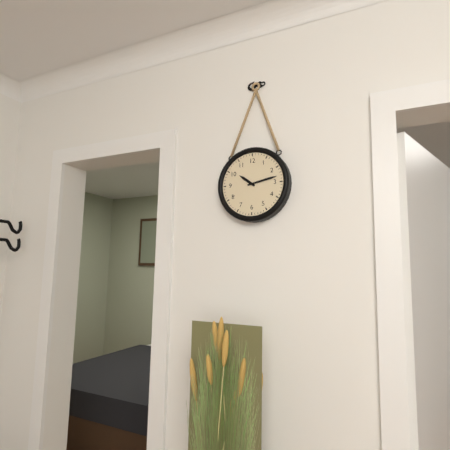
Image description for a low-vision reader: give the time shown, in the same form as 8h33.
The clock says 10h13
